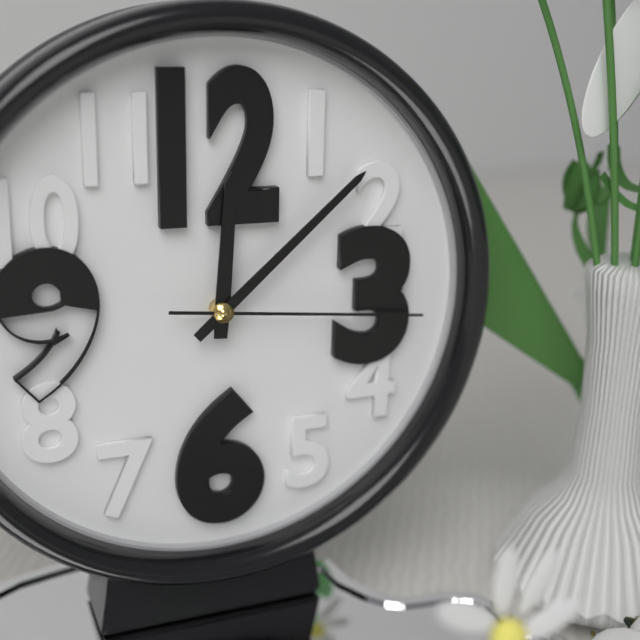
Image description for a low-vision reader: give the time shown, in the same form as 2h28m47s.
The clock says 12h08m16s
